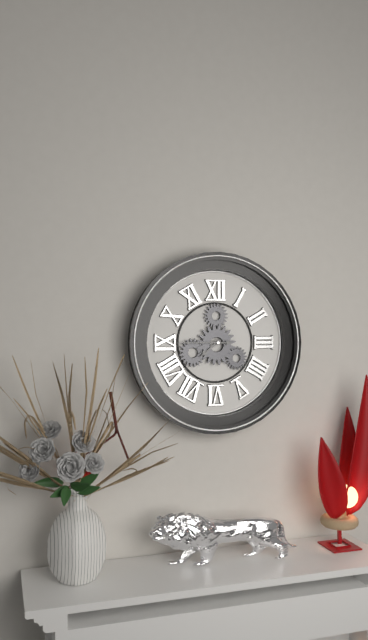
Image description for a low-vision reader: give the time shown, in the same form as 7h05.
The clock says 7h45
